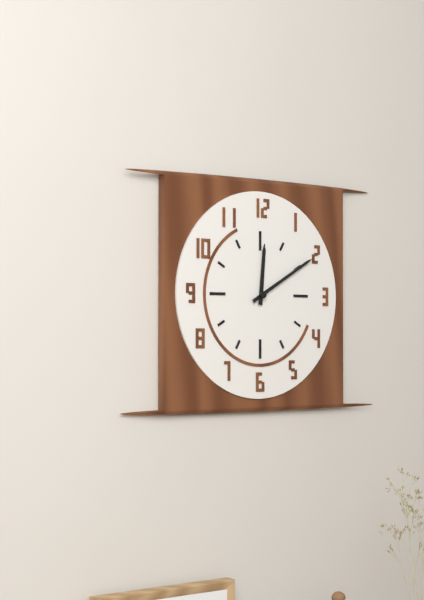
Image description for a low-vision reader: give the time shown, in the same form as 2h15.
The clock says 12h10
